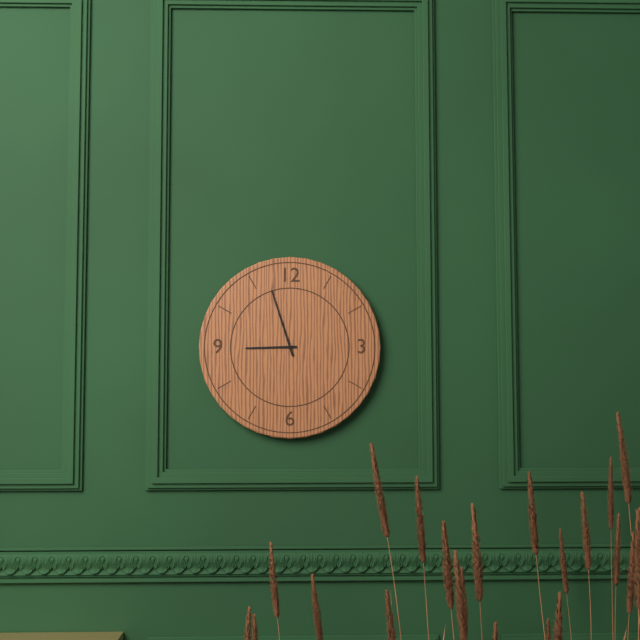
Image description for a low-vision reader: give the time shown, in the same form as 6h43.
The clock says 8h57
